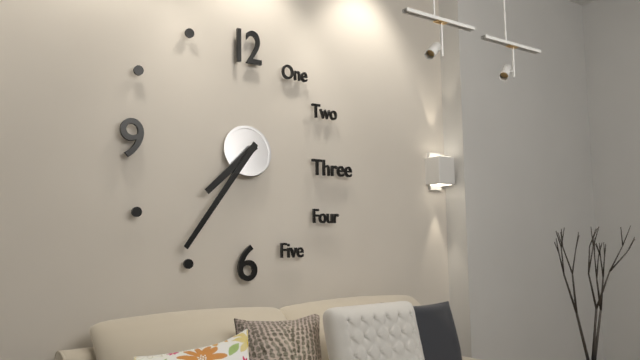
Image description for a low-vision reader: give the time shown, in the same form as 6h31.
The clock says 7h36
